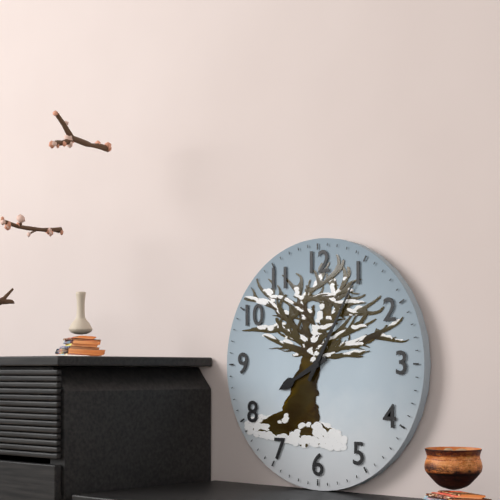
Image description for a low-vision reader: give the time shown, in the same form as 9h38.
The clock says 8h05
